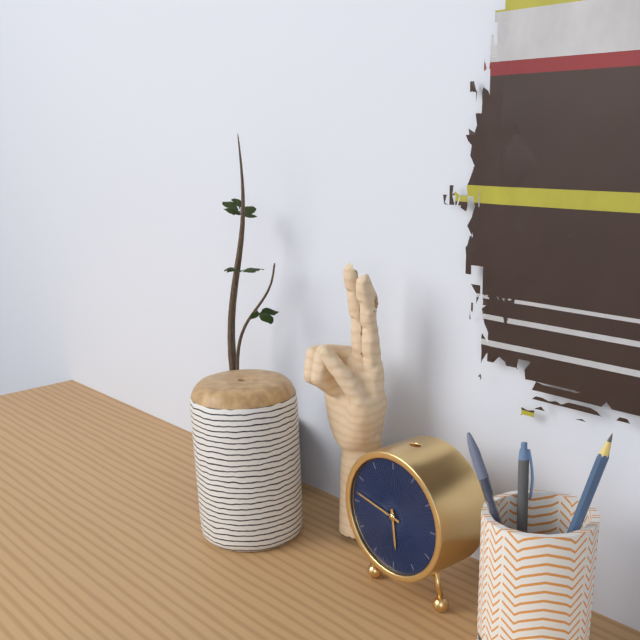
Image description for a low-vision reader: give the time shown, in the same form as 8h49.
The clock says 5h47
